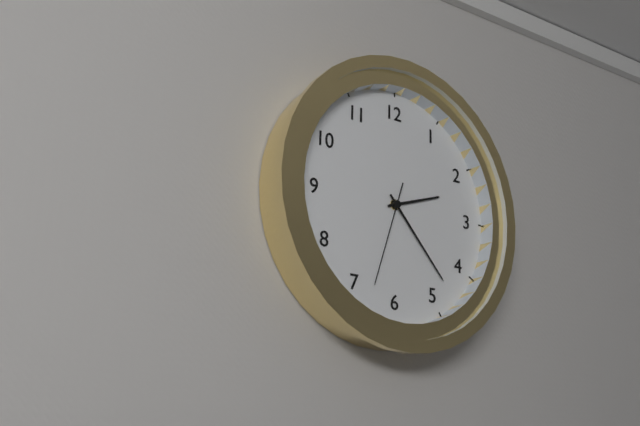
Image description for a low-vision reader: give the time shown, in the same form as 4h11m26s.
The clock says 2h23m33s
